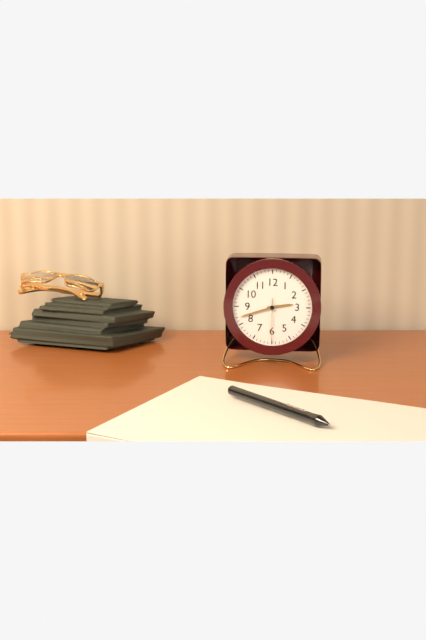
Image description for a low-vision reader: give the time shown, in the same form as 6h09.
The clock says 2h42
